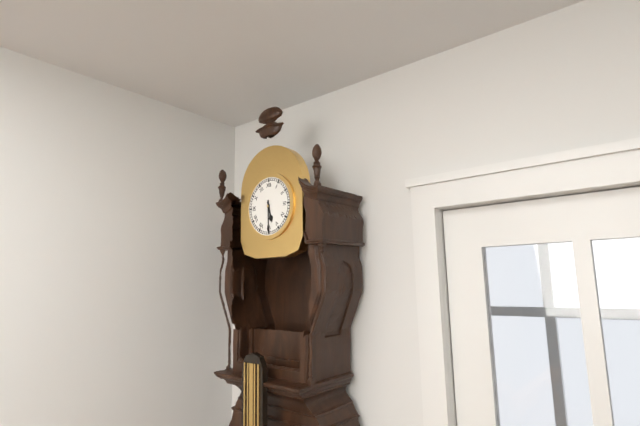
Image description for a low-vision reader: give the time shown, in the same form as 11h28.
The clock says 5h30
